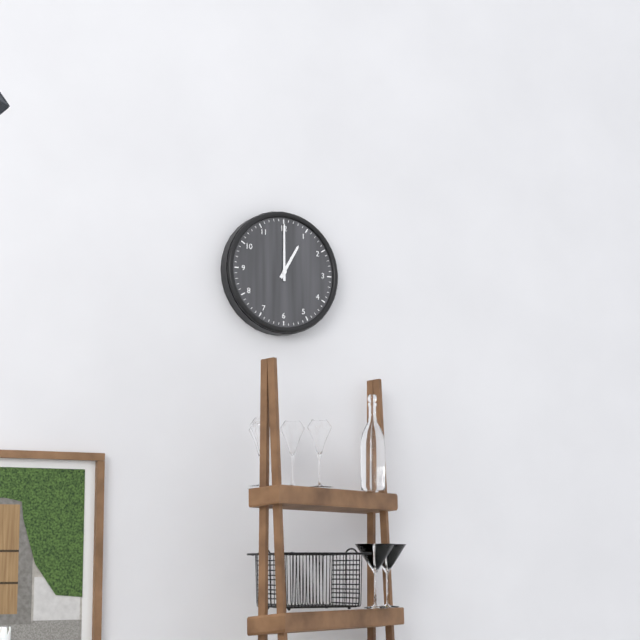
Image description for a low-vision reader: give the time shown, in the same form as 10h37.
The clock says 1h00
